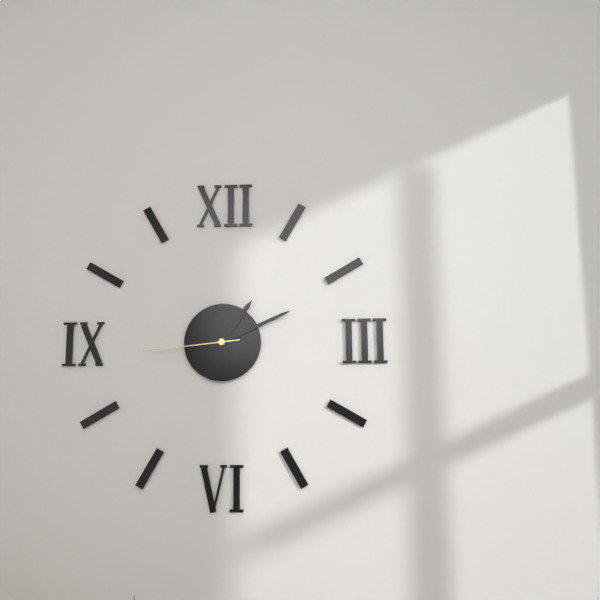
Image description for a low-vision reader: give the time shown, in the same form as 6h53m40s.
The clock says 1h11m44s
